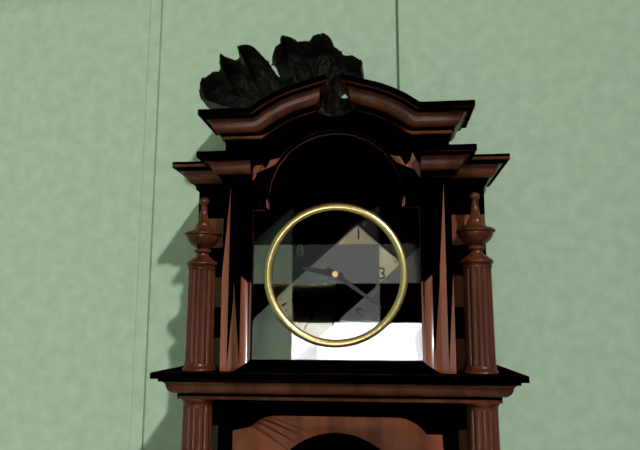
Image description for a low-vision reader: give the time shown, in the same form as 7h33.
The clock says 9h21
